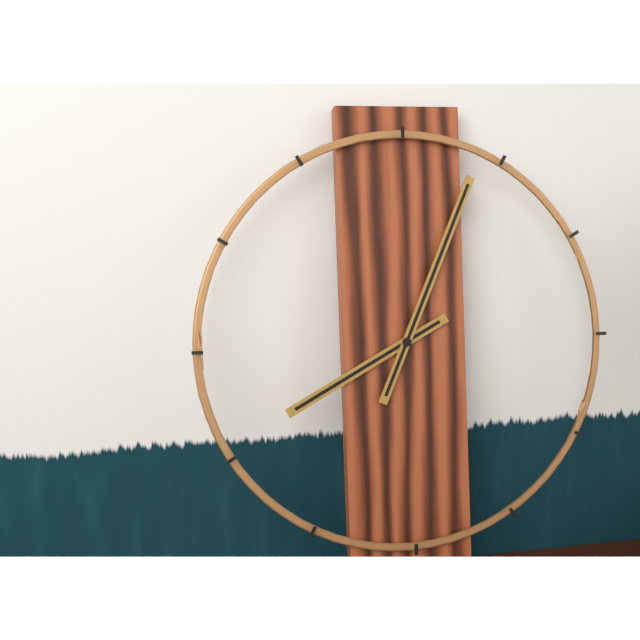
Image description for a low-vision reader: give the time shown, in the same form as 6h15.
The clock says 8h04
